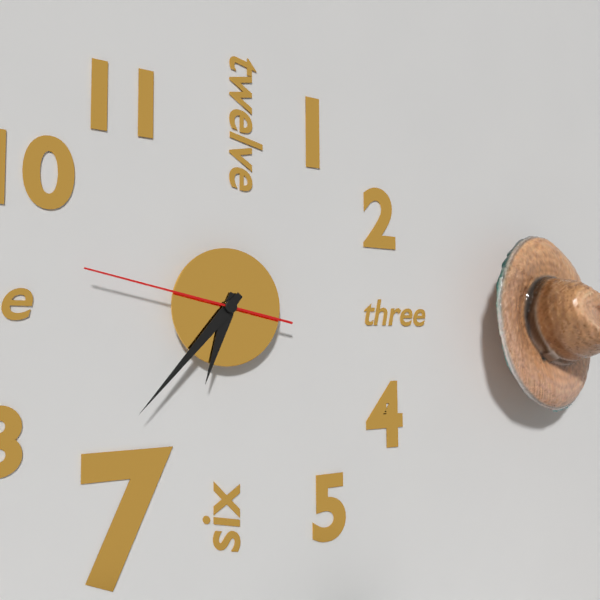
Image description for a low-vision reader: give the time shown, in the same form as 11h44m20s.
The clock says 6h37m47s
